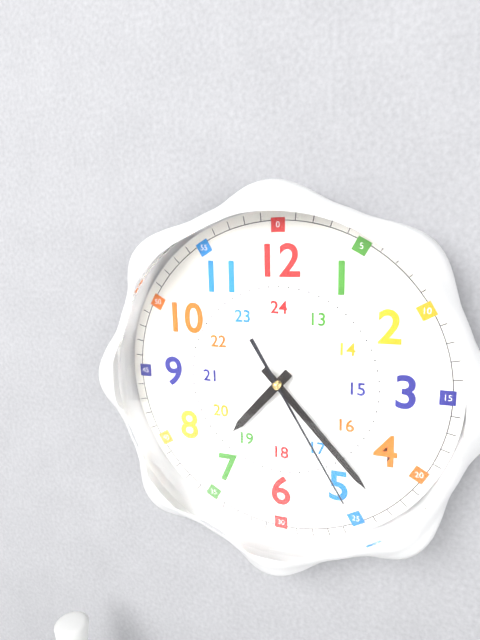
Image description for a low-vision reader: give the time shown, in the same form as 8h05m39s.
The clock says 7h23m25s
